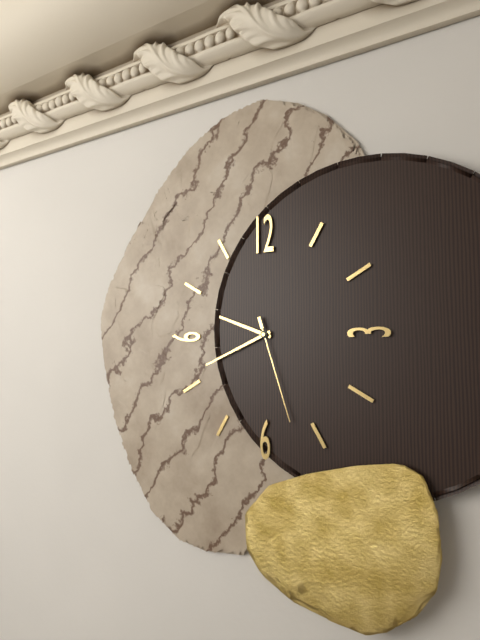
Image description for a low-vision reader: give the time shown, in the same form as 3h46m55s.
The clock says 9h41m27s
